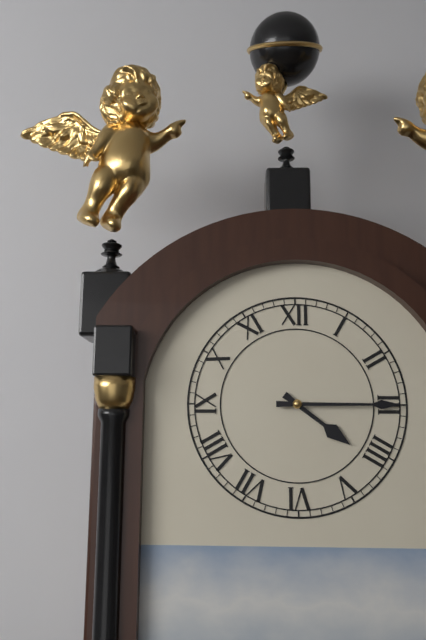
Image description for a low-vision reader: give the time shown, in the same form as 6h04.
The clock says 4h15
